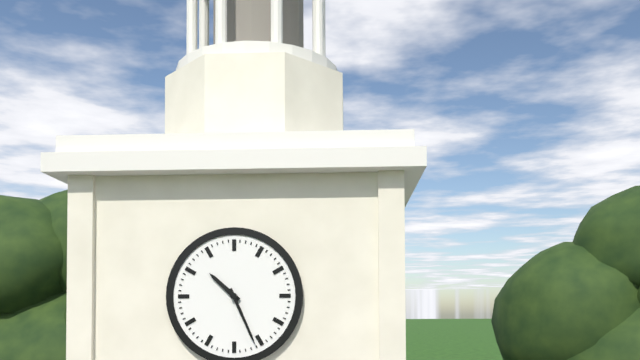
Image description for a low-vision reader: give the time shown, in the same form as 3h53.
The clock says 10h26
